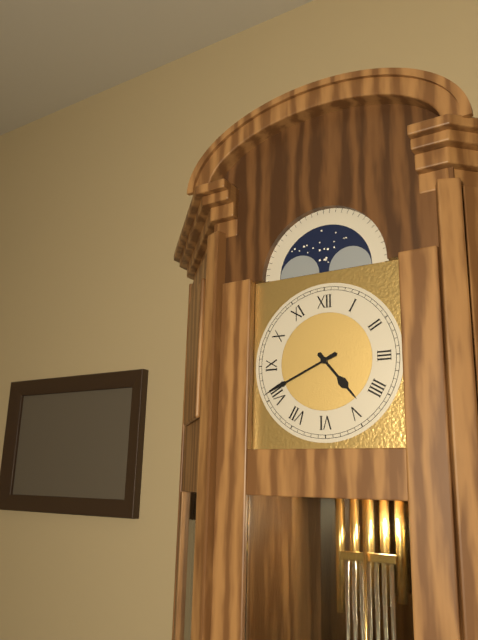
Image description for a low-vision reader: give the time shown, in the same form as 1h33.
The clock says 4h41
